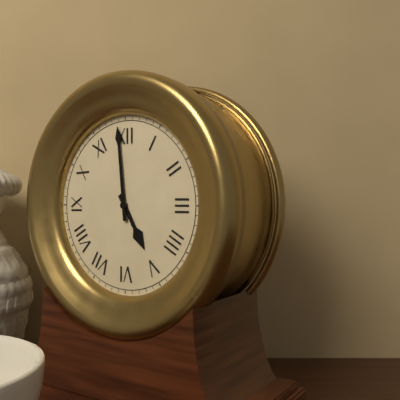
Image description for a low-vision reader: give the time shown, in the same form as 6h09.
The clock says 4h59
